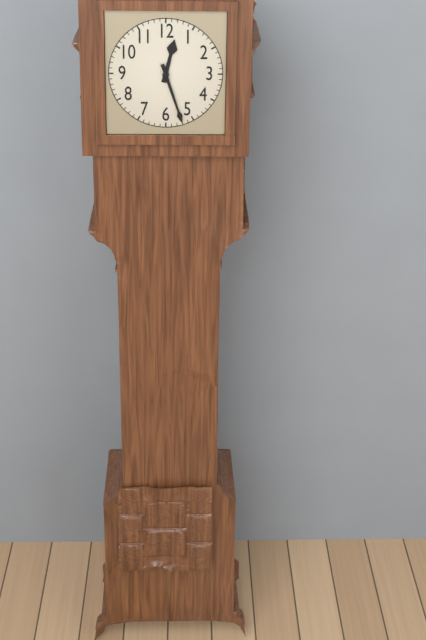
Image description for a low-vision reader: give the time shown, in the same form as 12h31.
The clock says 12h27
